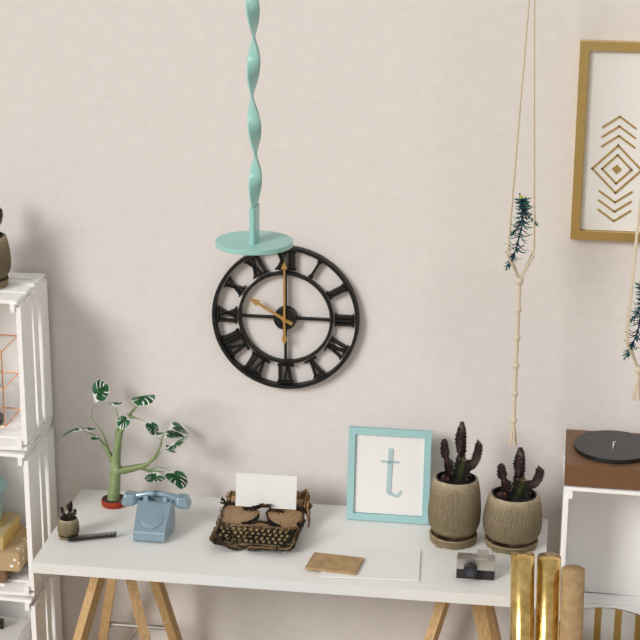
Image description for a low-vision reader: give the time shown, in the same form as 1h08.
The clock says 10h00
